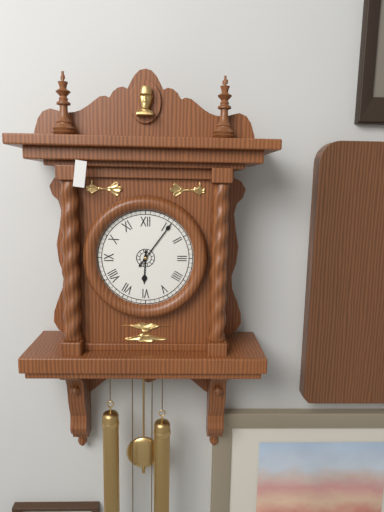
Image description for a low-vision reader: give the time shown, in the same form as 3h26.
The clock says 6h06
